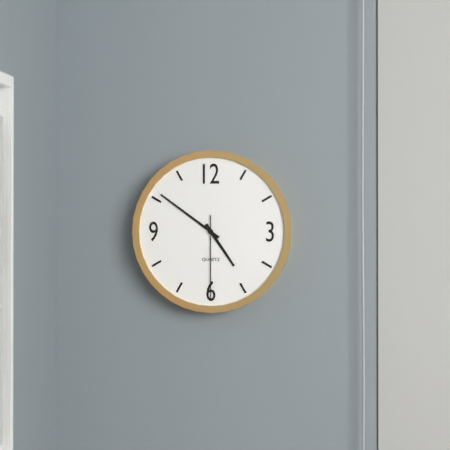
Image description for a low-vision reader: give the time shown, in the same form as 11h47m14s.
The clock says 4h51m30s
